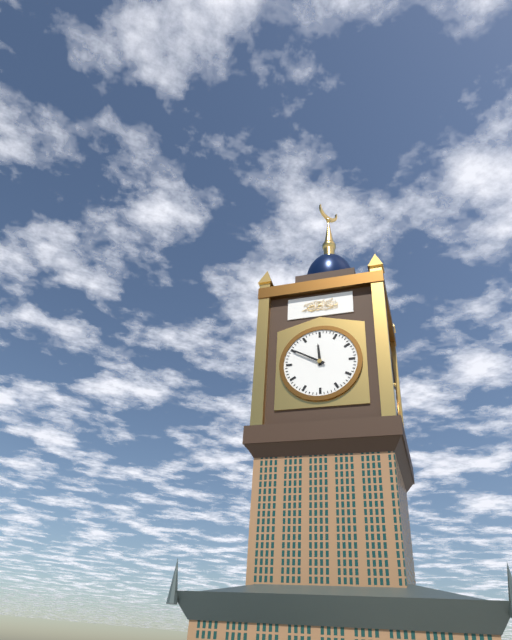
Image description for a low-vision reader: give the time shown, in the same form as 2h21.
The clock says 11h50
